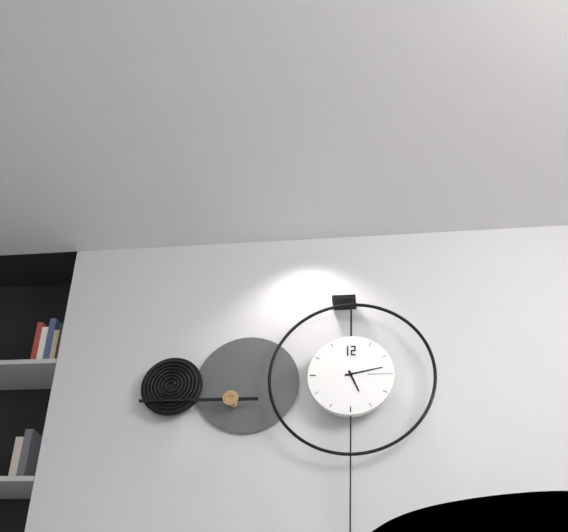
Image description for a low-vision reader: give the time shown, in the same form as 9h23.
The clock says 5h13
